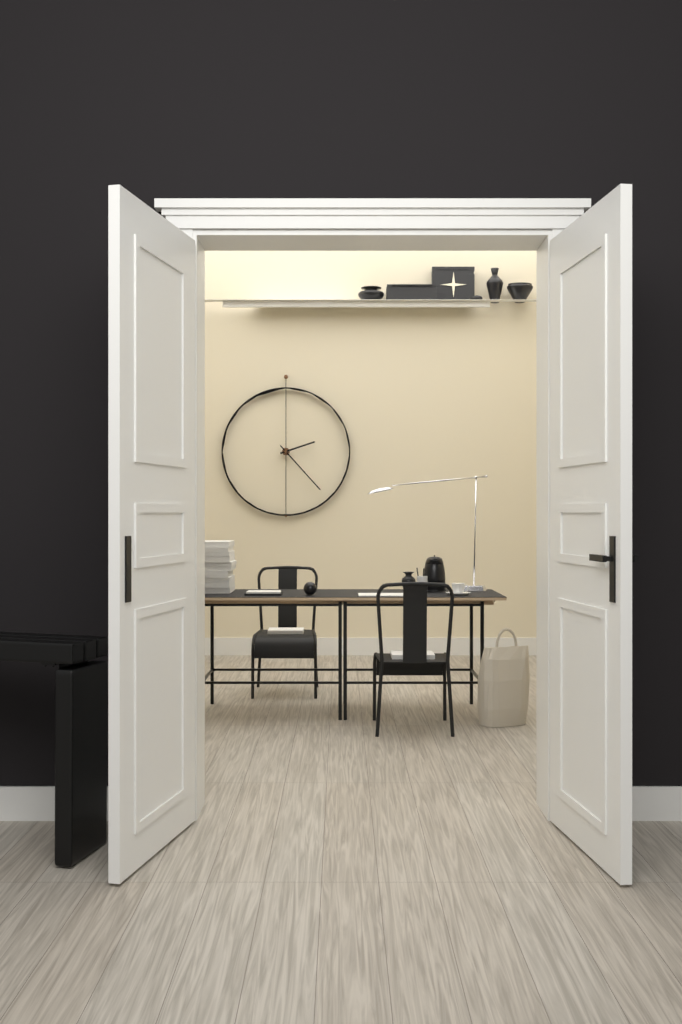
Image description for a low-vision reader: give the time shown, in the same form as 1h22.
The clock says 2h23
